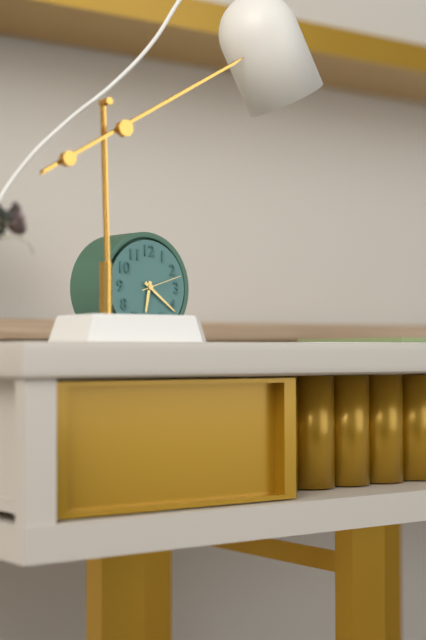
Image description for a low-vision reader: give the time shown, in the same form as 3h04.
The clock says 6h21
